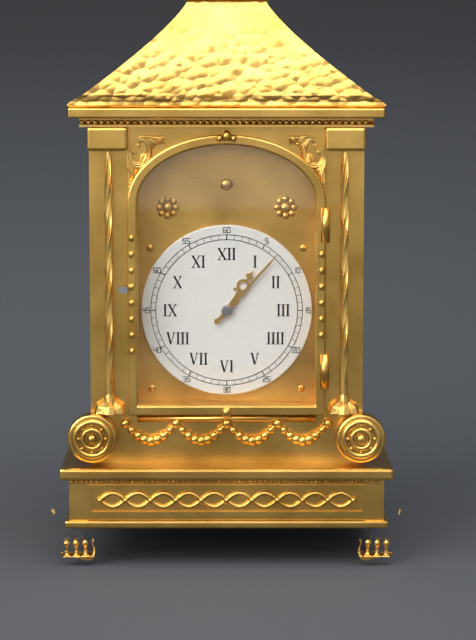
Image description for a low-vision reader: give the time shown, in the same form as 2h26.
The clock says 1h07
